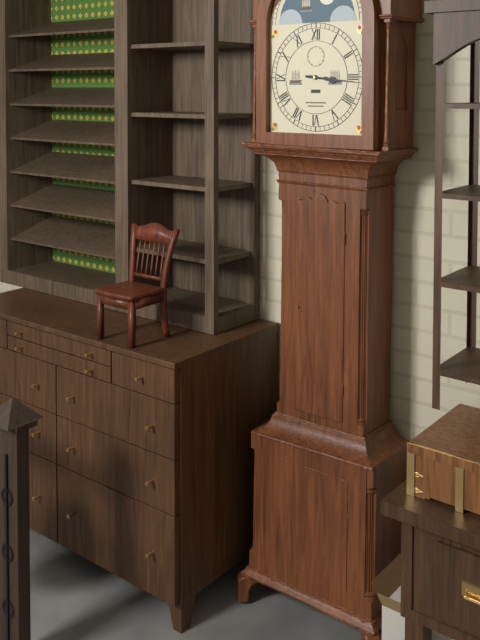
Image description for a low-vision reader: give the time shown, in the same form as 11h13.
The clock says 3h16
